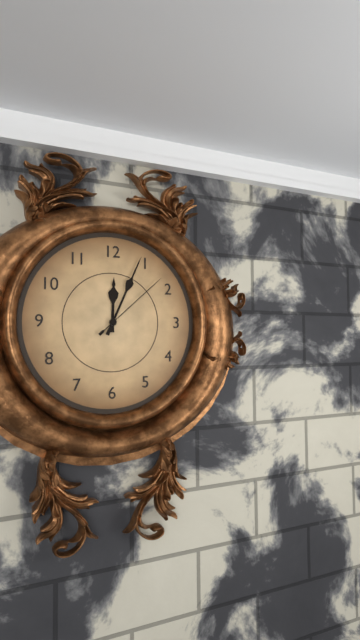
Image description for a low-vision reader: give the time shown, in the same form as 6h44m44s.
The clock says 12h04m08s
